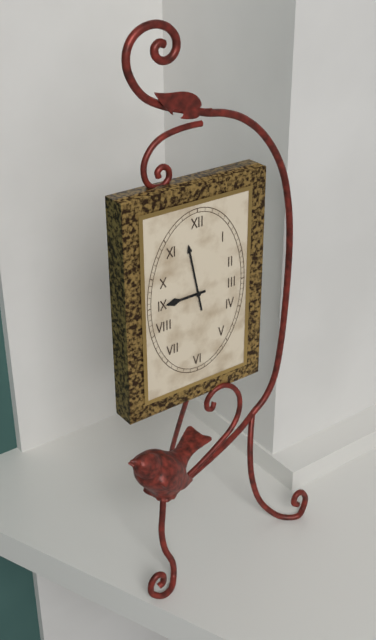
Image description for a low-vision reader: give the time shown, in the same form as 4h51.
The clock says 8h58
